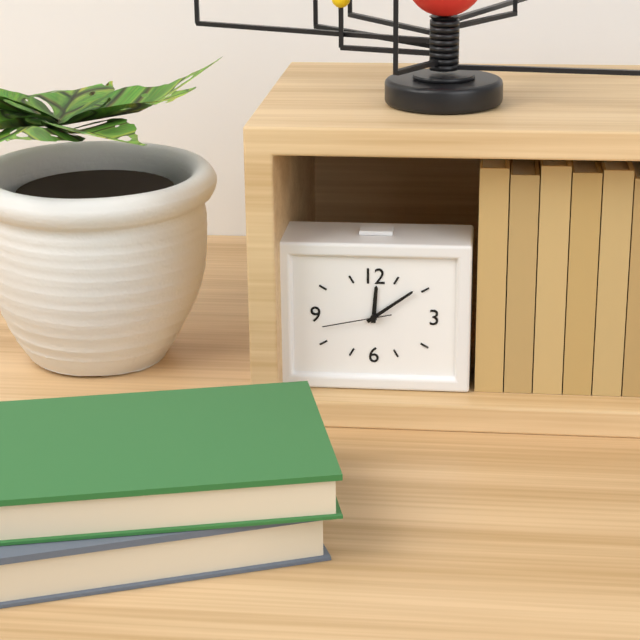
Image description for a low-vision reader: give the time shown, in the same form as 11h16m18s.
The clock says 12h09m43s
